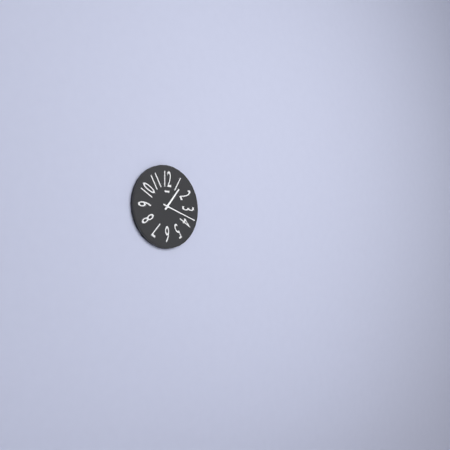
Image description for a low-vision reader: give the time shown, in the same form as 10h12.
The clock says 1h18
